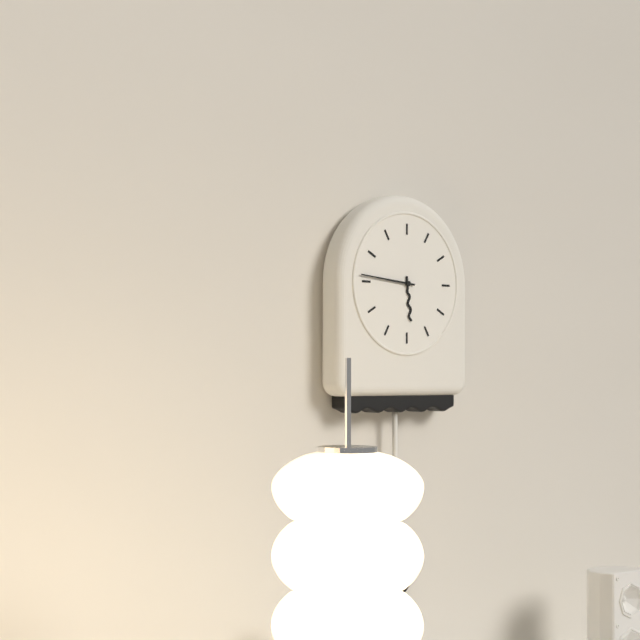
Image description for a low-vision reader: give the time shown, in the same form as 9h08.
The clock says 5h46
